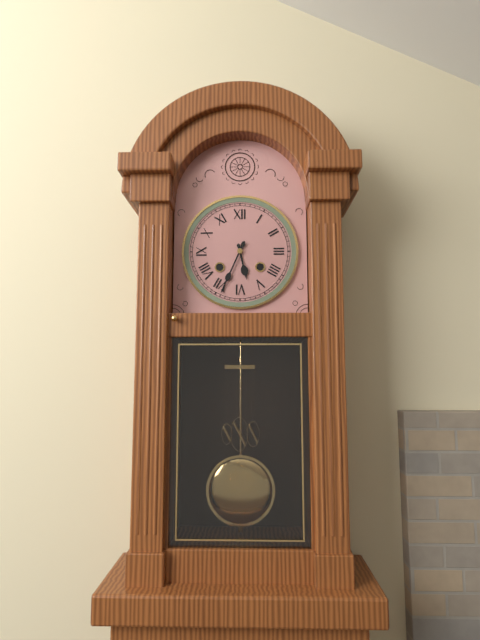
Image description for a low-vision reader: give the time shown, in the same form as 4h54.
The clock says 5h34
